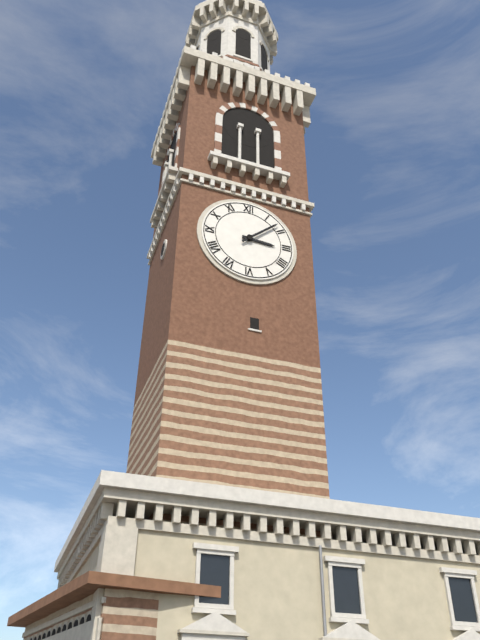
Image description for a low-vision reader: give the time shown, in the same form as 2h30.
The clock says 3h08
